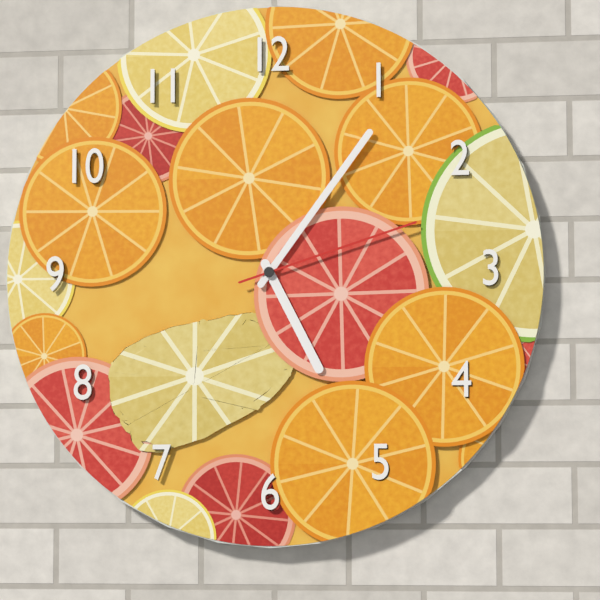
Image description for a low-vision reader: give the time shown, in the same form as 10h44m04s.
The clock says 5h06m12s
